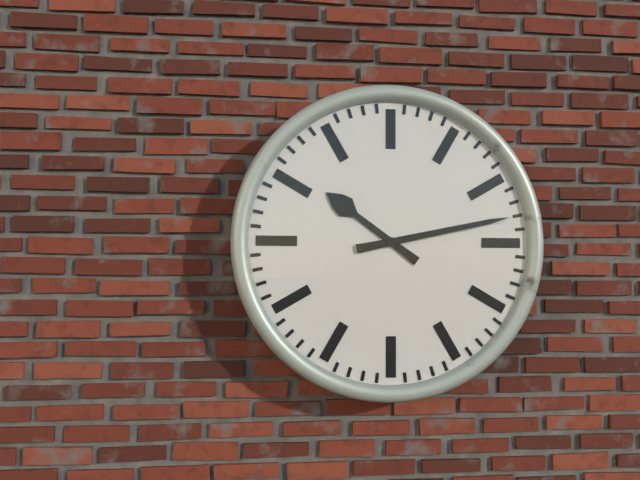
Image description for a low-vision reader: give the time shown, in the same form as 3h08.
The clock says 10h13
